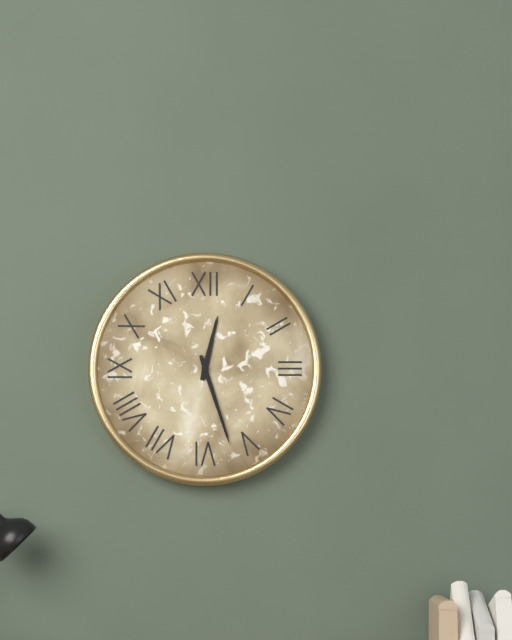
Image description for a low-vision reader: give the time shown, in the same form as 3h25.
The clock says 12h27
